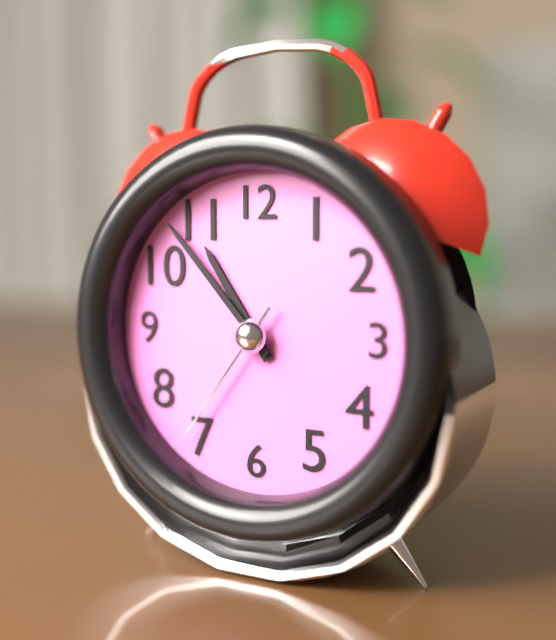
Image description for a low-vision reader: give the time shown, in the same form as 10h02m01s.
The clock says 10h53m36s
